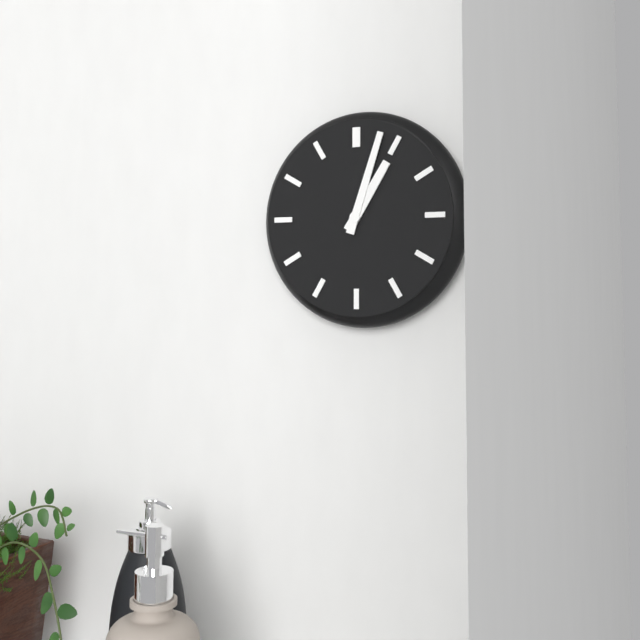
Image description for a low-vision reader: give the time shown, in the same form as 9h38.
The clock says 1h03
